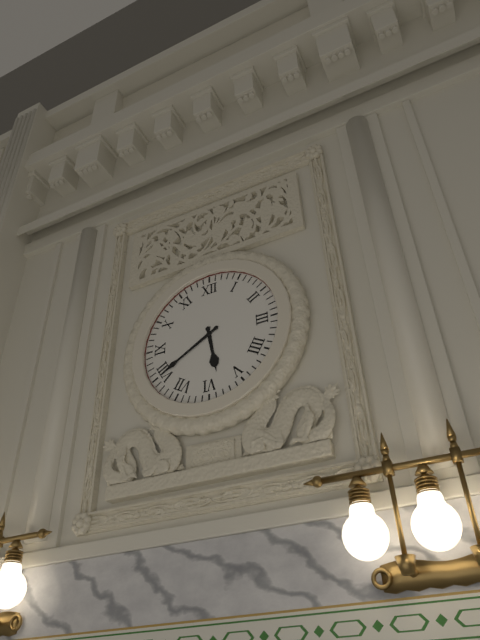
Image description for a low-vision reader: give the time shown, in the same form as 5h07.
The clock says 5h40
